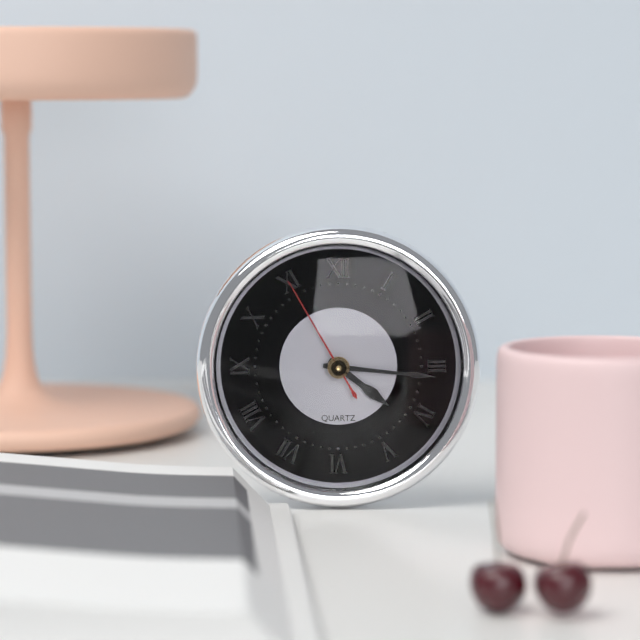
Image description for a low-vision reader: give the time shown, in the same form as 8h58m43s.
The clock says 4h16m55s
